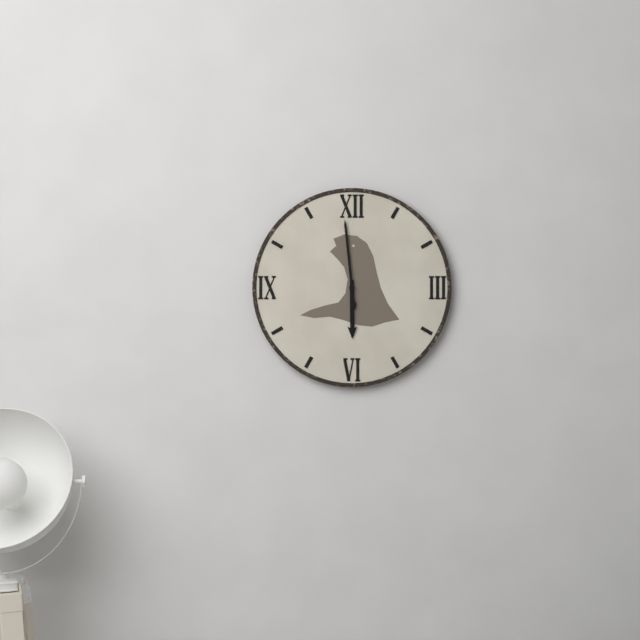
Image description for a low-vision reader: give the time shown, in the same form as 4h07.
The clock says 5h59
